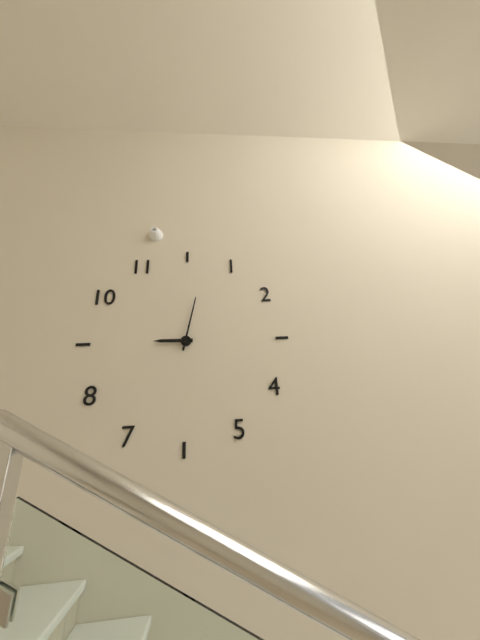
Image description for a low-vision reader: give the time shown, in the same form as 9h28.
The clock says 9h02
